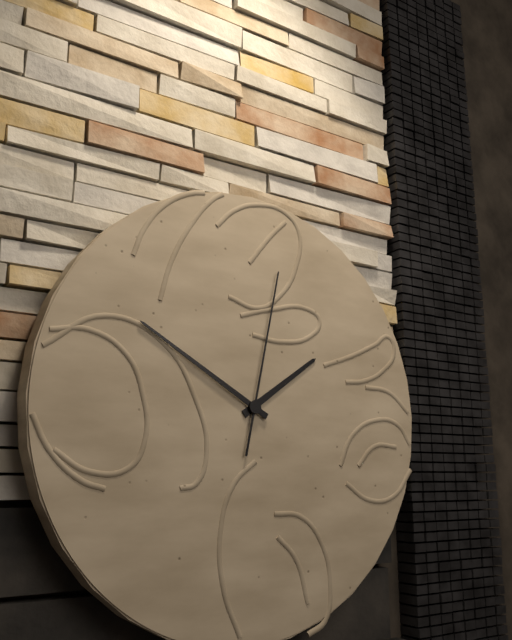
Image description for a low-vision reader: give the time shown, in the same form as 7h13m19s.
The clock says 1h50m02s
